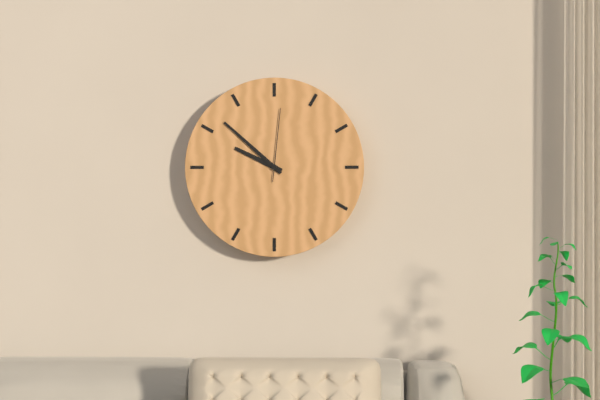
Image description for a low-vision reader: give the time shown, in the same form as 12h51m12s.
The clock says 9h52m01s
